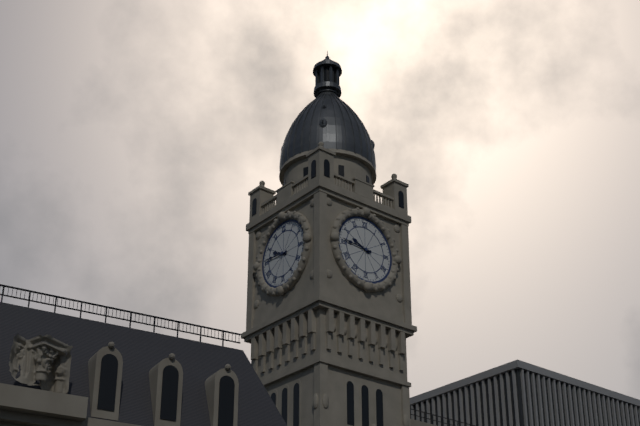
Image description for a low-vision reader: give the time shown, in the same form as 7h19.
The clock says 9h46
